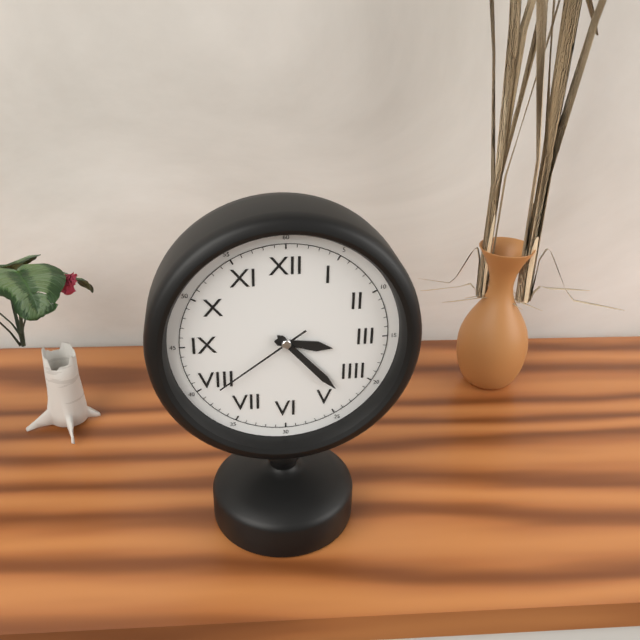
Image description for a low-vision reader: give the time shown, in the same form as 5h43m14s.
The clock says 3h23m39s
